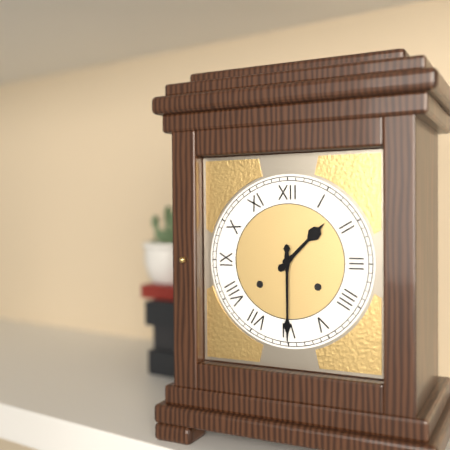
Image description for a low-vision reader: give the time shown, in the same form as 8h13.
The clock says 1h30
